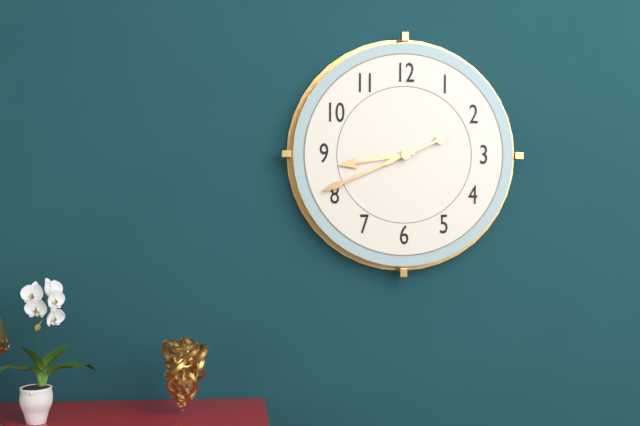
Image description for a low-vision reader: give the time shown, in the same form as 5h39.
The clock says 8h41
